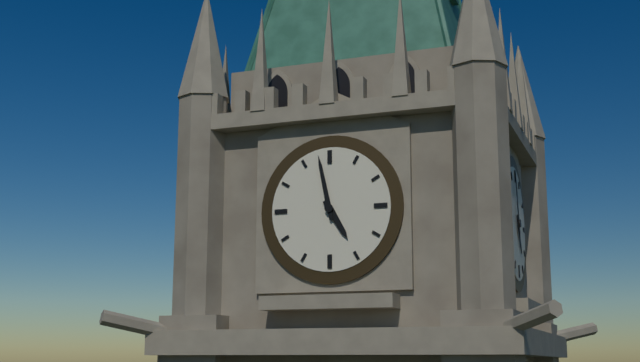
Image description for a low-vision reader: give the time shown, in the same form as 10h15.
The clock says 4h58
